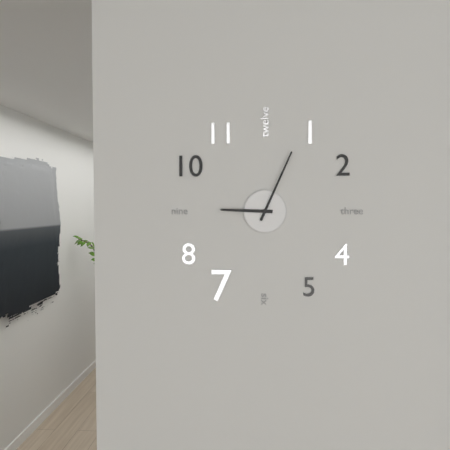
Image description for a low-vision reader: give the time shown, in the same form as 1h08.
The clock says 9h04
